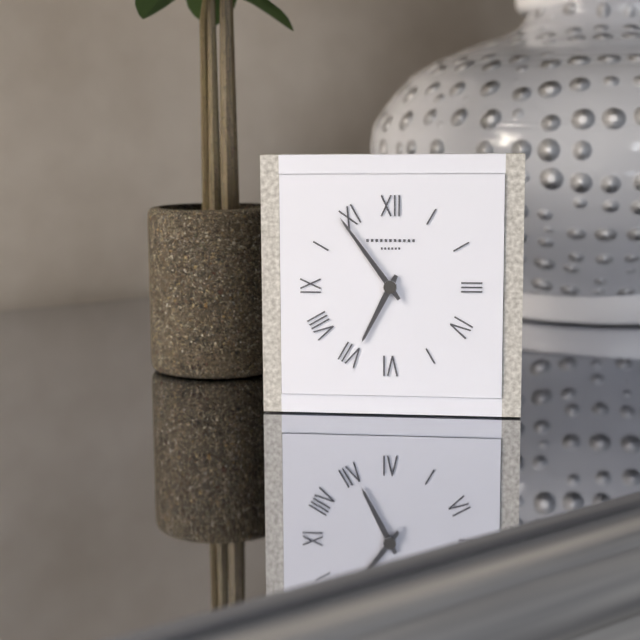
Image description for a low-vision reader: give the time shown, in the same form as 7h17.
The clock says 6h54
